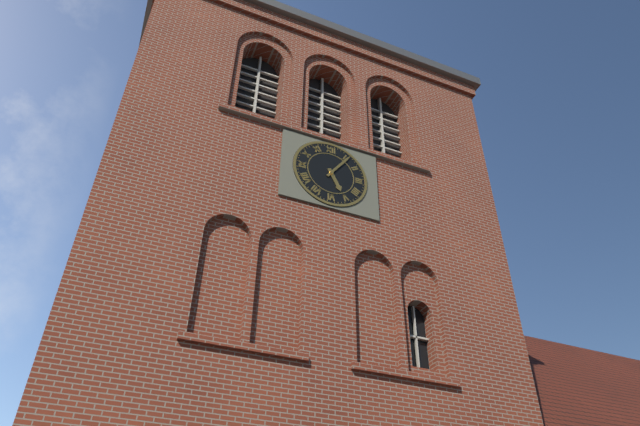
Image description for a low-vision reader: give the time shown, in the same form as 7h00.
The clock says 5h06
